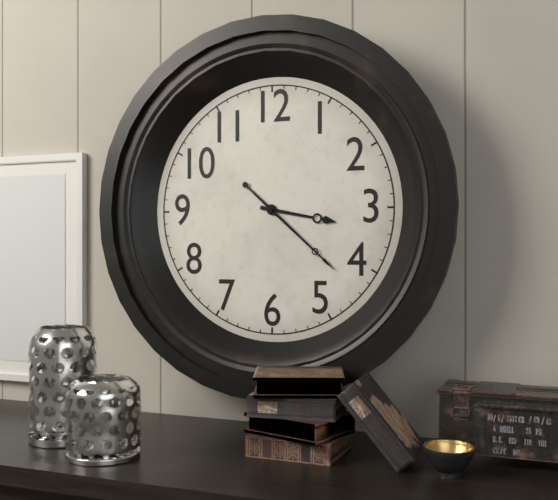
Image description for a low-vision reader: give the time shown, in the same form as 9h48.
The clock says 3h22
